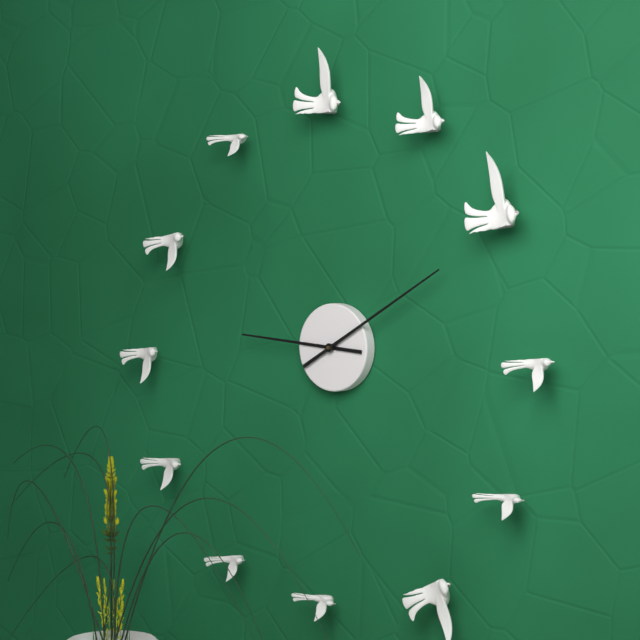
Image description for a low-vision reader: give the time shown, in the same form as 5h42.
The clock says 9h10
